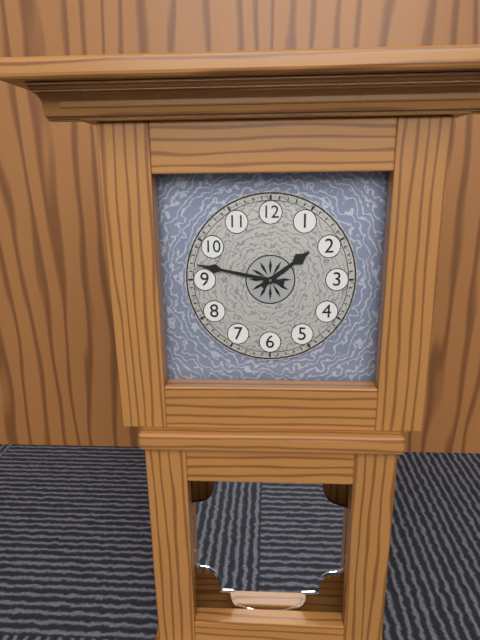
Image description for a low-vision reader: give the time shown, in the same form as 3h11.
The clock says 1h47
